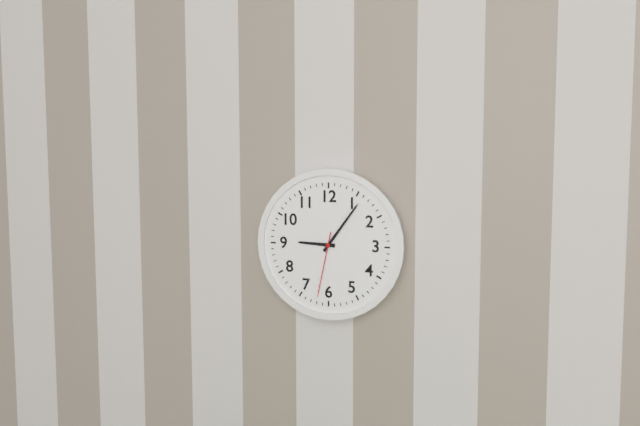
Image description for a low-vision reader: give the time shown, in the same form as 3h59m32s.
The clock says 9h06m32s
